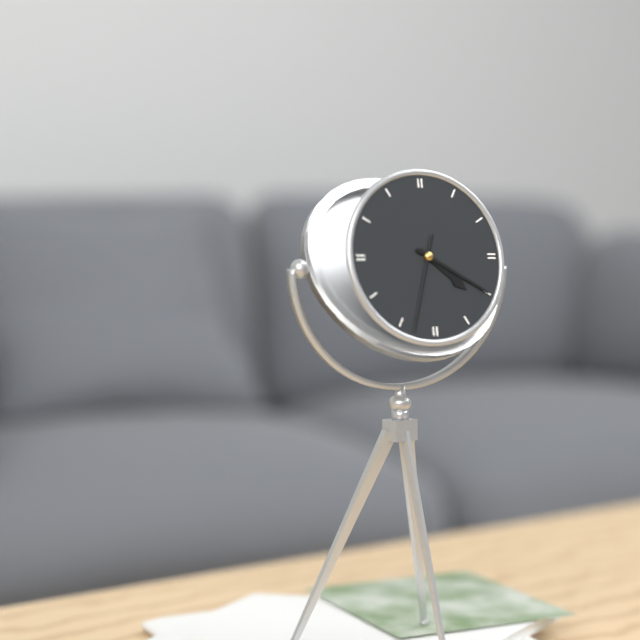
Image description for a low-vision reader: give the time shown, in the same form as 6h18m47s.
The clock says 4h20m33s
